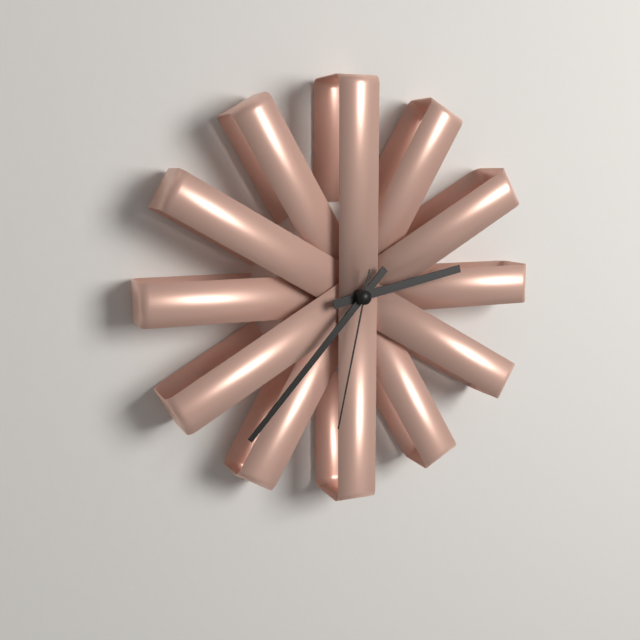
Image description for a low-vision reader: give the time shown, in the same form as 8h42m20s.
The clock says 2h37m32s
